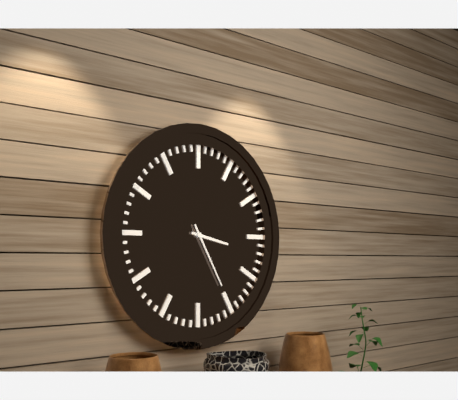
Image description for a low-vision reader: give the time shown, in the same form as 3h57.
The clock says 3h25
